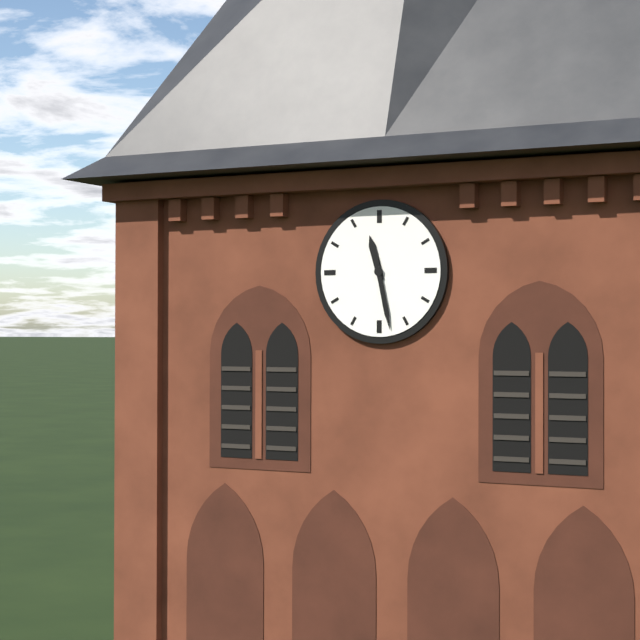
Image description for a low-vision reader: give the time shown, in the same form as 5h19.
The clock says 11h28
